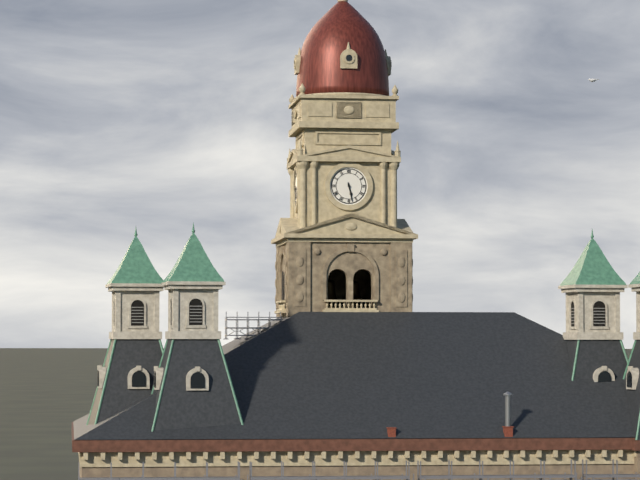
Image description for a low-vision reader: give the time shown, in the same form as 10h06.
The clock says 5h28
